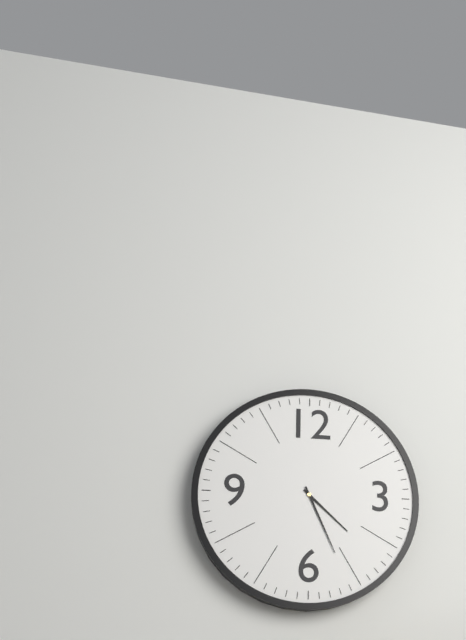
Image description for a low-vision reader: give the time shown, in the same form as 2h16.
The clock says 4h26
